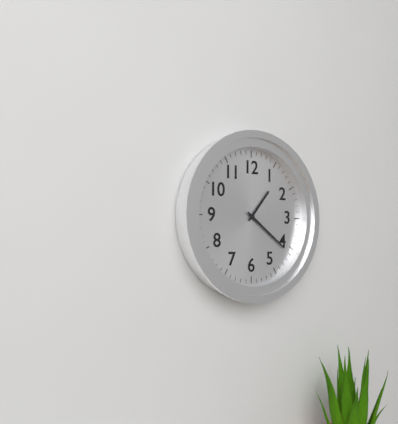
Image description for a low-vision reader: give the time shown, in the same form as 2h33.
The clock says 1h21
